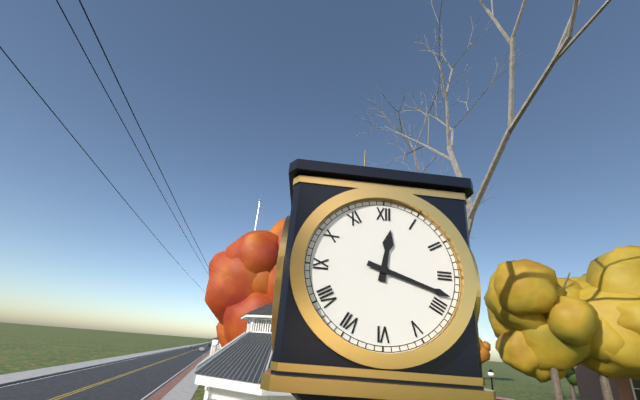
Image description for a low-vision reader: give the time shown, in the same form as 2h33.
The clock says 12h18
